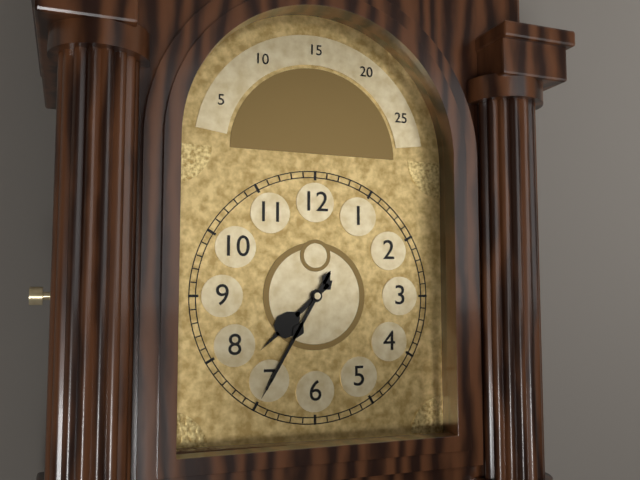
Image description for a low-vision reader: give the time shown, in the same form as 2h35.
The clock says 7h35
